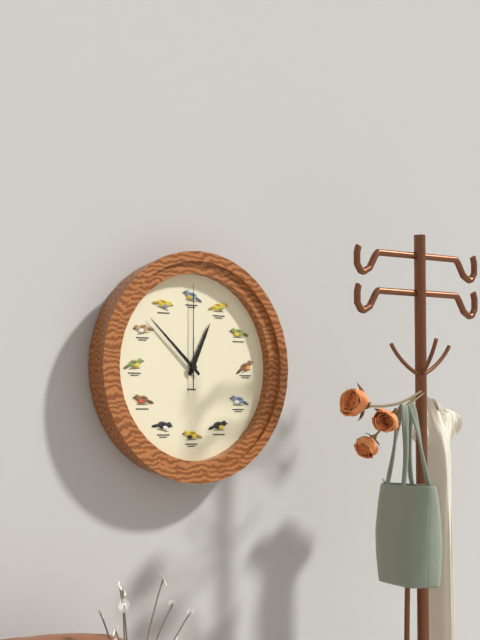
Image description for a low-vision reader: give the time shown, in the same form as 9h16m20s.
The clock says 12h52m00s
